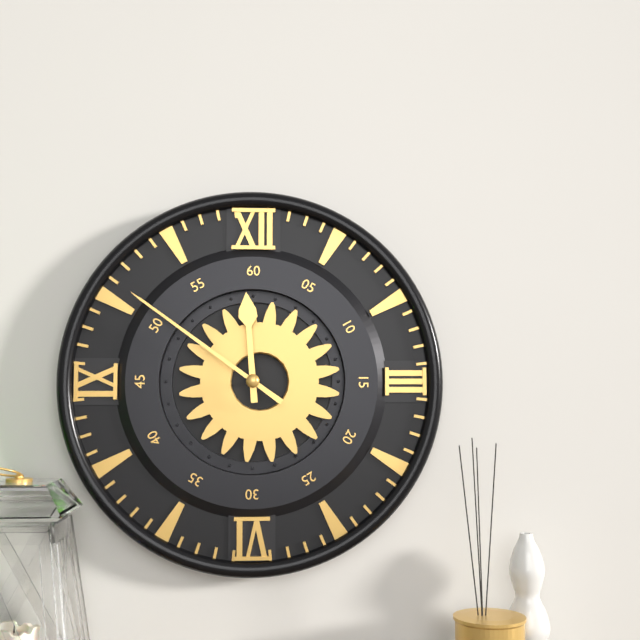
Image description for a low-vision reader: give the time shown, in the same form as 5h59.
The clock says 11h51
